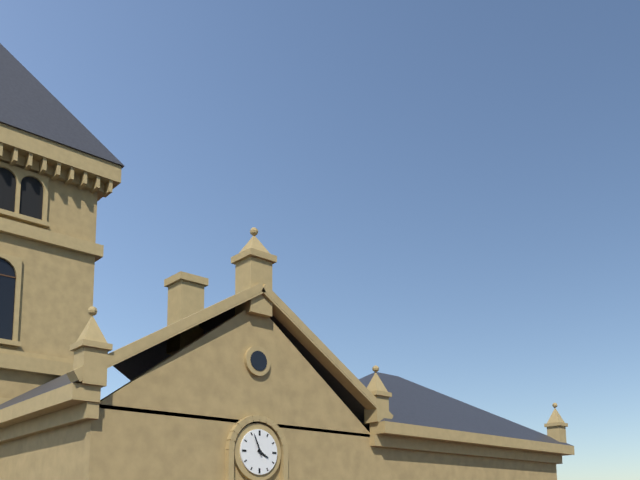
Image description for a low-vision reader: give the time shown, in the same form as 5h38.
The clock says 3h56
